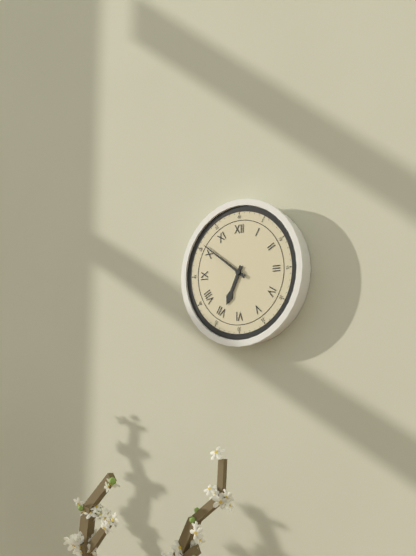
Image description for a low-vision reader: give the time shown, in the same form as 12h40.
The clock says 6h51
